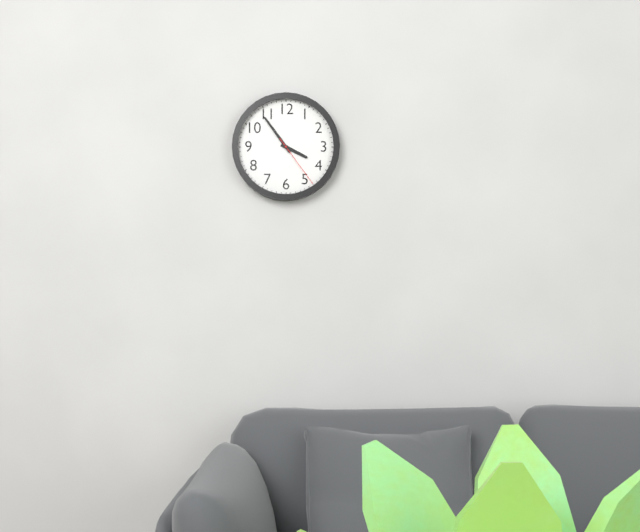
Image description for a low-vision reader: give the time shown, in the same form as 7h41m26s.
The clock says 3h54m24s
